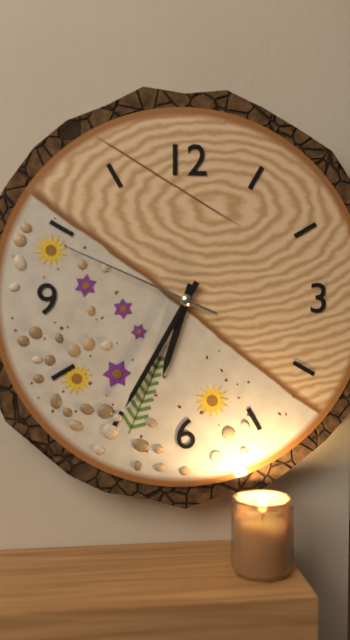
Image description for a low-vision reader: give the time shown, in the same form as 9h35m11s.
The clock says 6h35m49s
